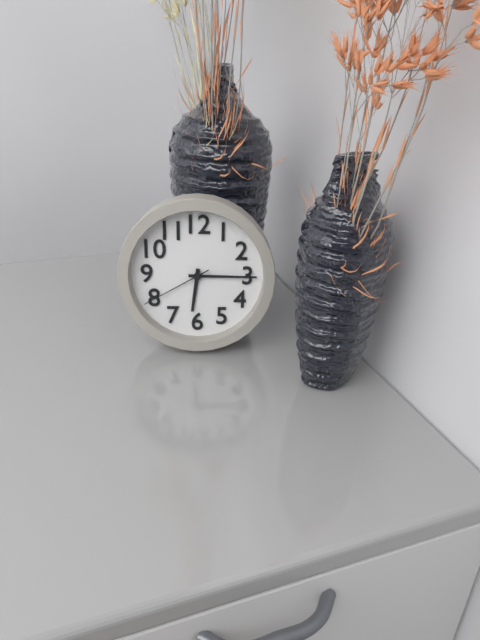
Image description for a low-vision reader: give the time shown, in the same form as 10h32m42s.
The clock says 6h15m40s
